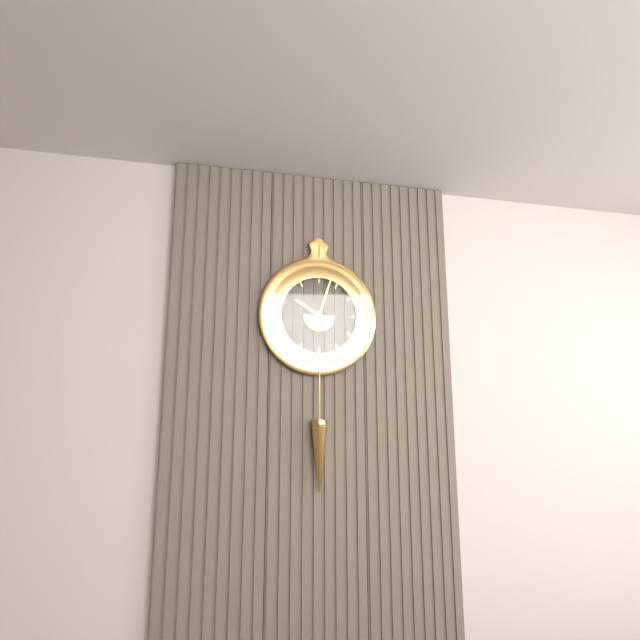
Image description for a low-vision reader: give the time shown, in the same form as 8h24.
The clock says 10h03
